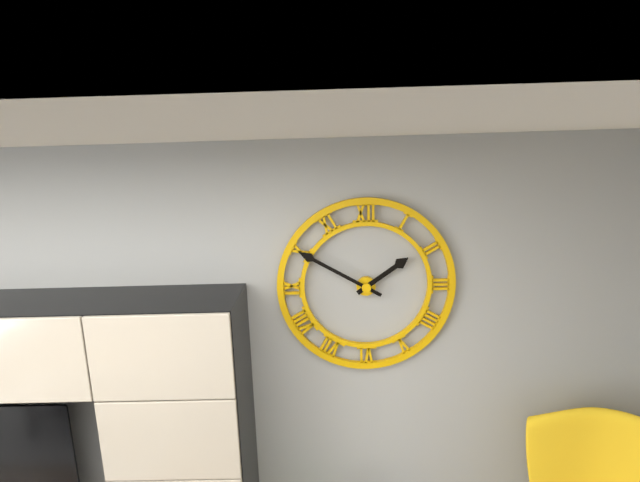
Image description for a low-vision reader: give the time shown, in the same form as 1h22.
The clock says 1h50
